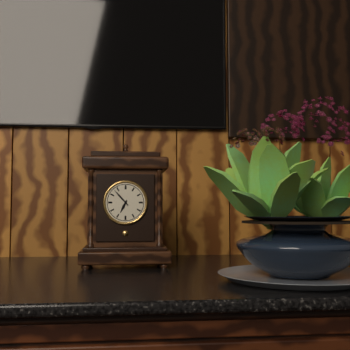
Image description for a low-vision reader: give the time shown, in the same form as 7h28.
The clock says 6h53
